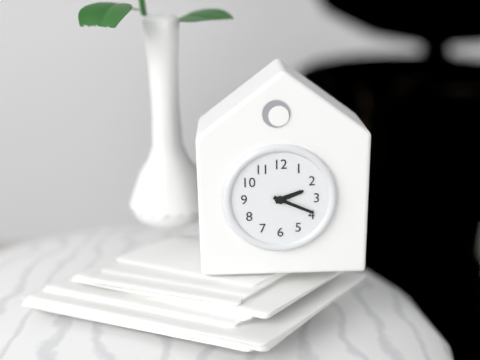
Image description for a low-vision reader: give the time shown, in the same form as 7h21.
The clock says 2h19
